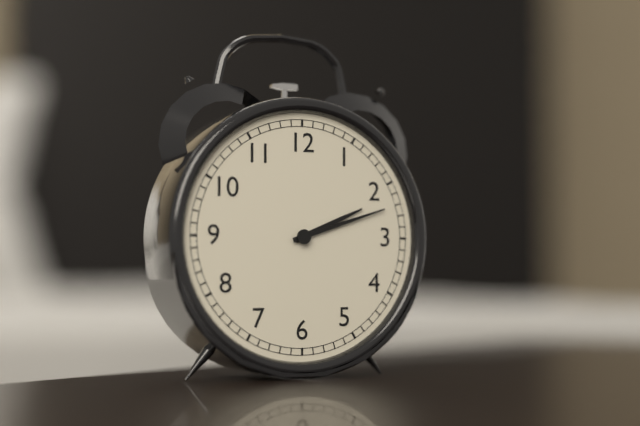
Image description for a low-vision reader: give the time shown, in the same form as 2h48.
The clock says 2h12
